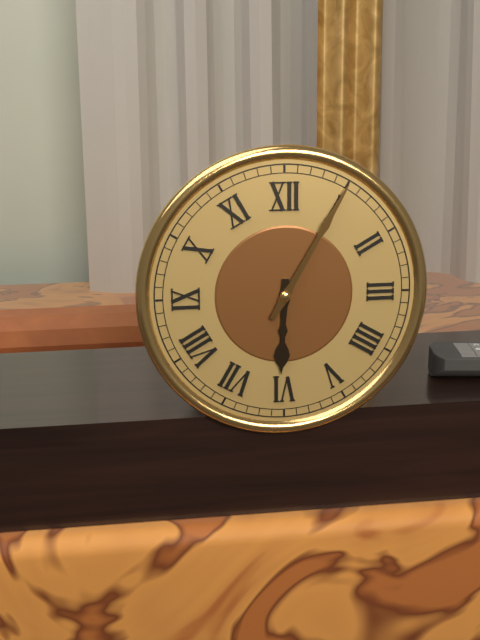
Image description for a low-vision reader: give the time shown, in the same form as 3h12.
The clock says 6h05
